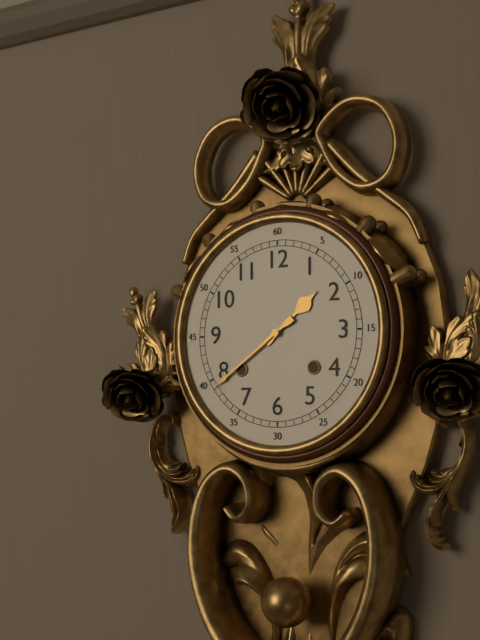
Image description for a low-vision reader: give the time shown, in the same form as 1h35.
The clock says 1h39
